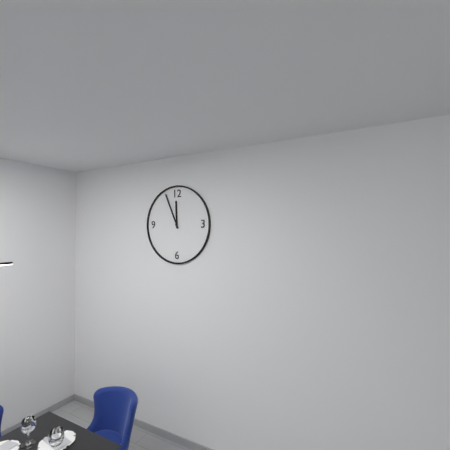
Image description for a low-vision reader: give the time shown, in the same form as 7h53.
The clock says 11h56
